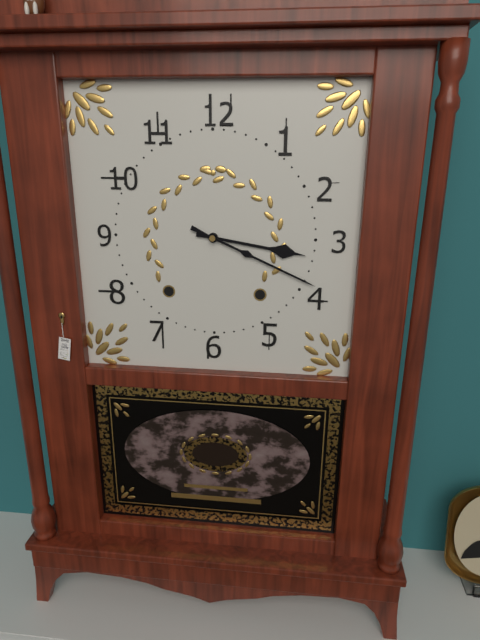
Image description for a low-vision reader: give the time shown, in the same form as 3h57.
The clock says 3h19
